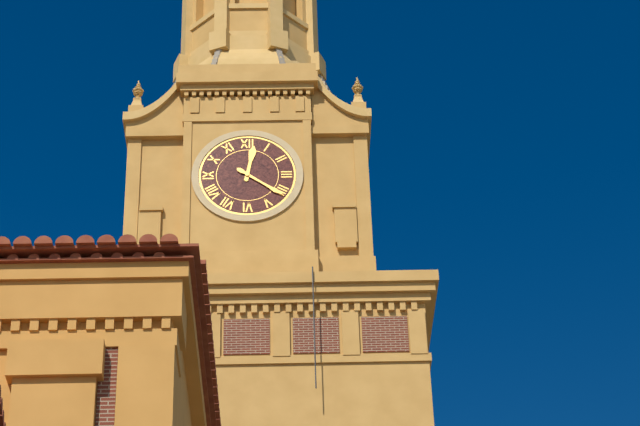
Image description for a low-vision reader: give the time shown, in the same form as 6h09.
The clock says 12h21
